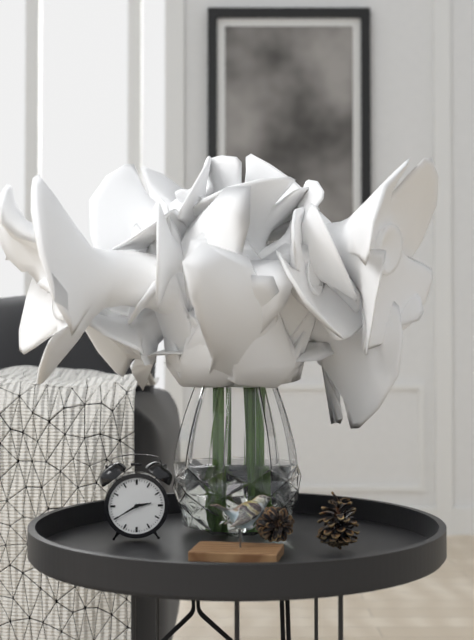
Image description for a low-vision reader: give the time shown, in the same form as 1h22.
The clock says 2h40
